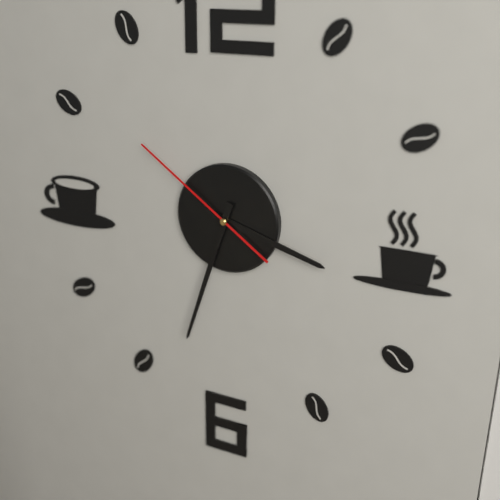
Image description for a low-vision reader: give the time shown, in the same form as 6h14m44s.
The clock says 3h33m51s
